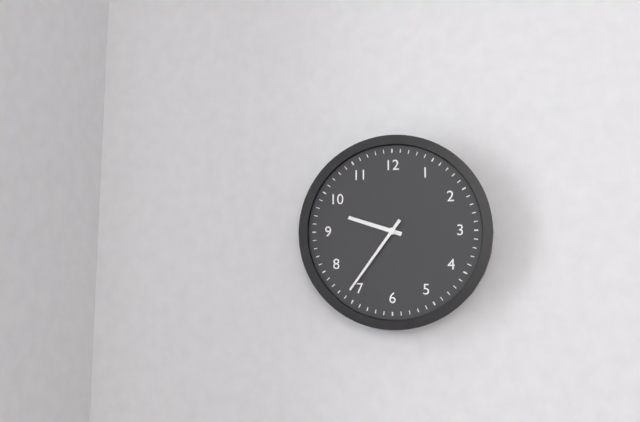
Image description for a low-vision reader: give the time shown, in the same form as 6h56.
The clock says 9h36
